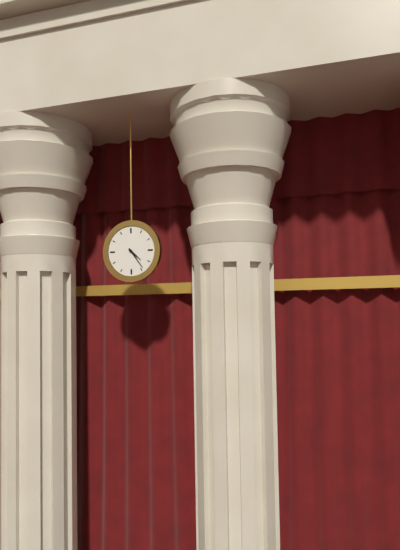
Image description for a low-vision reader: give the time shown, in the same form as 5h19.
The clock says 4h24
